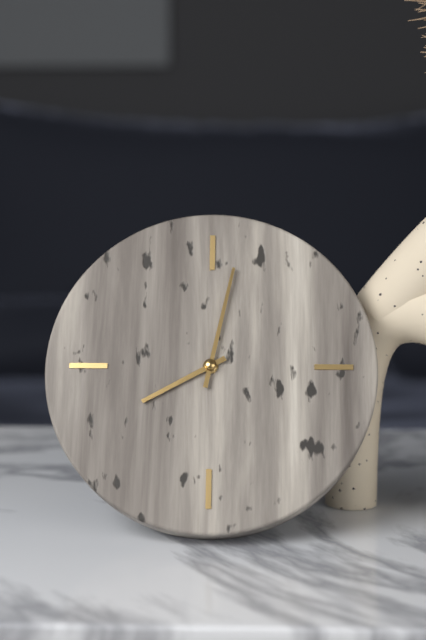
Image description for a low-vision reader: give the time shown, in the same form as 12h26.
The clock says 8h02
